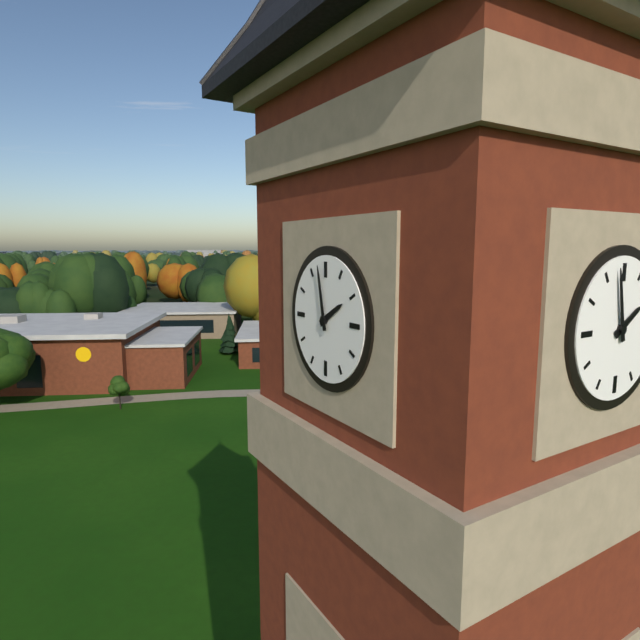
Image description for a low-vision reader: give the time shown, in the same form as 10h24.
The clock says 1h58
